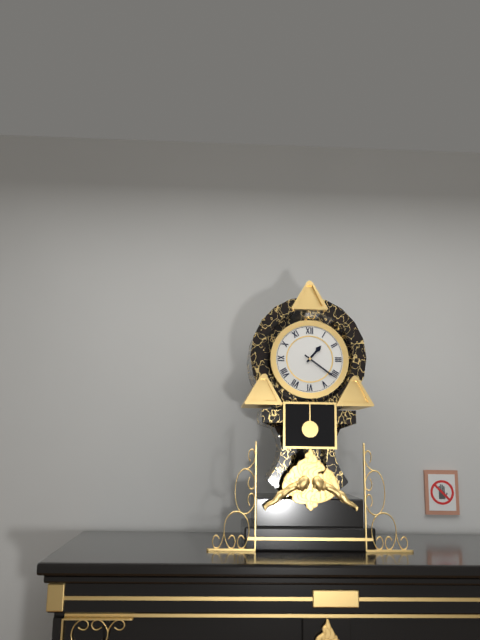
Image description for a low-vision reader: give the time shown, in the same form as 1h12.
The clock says 1h21
